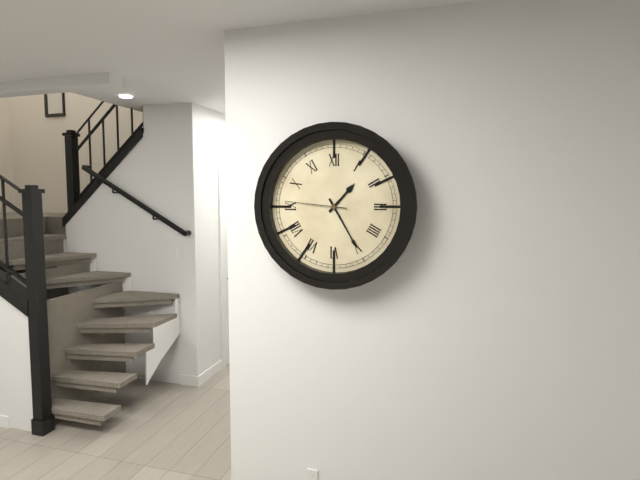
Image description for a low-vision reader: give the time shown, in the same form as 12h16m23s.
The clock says 1h25m46s
